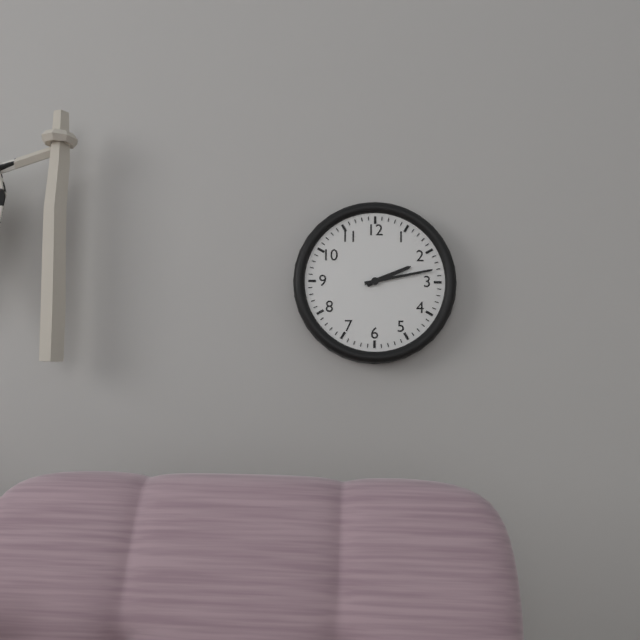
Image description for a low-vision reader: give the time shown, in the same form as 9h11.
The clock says 2h13
